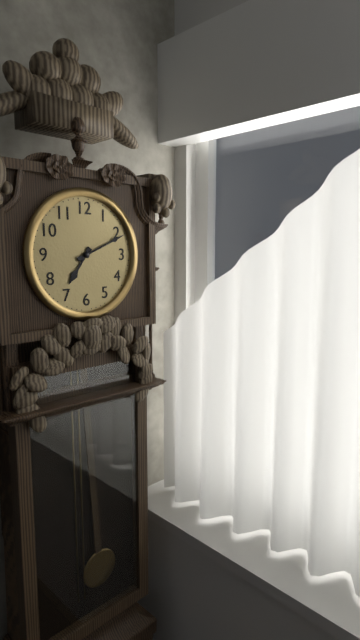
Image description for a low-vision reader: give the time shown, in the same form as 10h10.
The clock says 7h11
